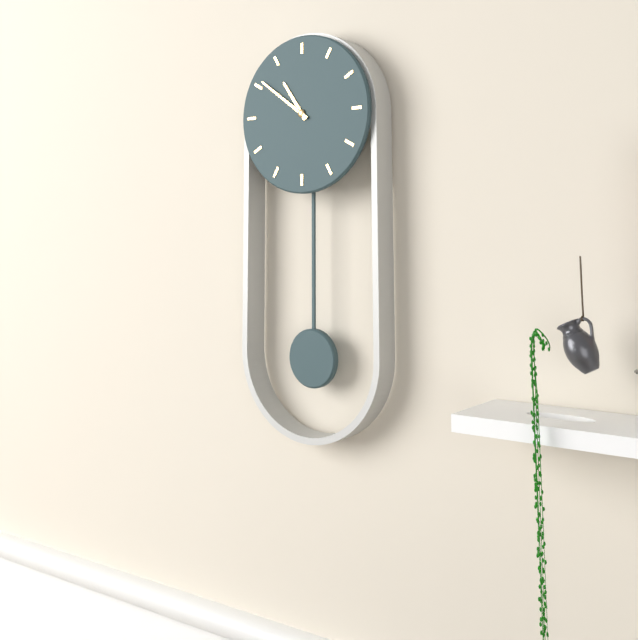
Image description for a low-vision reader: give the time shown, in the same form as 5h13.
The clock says 10h51
